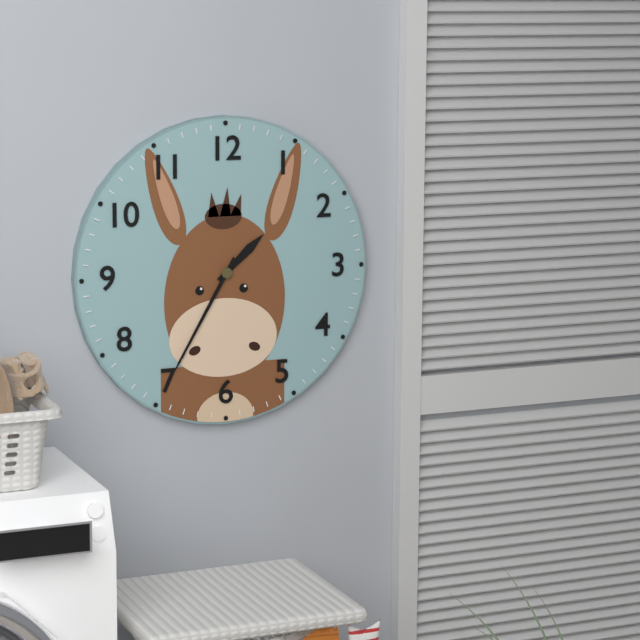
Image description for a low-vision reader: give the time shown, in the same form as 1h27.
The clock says 1h35
